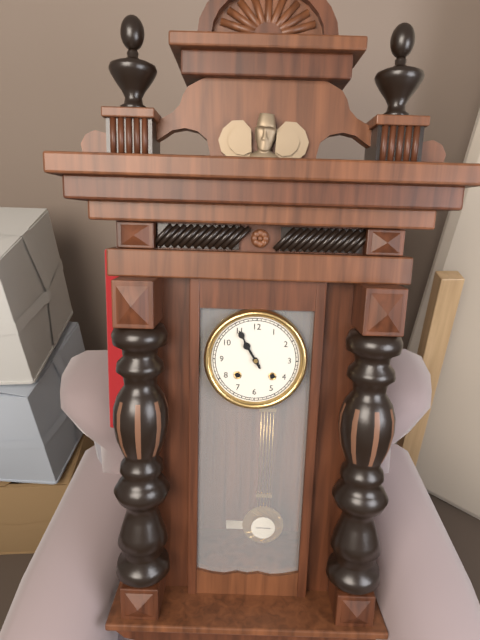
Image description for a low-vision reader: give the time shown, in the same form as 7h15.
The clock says 10h55
